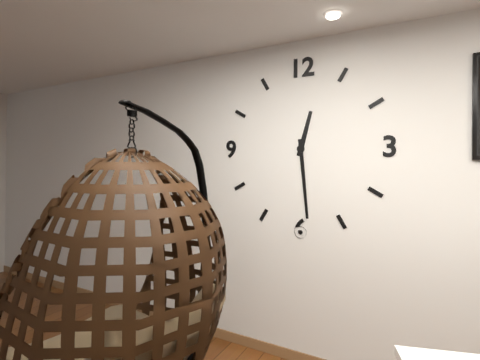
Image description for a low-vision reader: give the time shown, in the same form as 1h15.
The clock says 12h29
